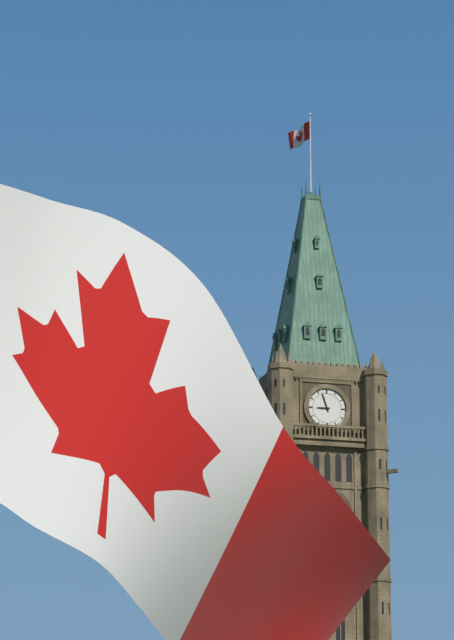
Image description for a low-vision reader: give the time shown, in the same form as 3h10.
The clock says 8h57
